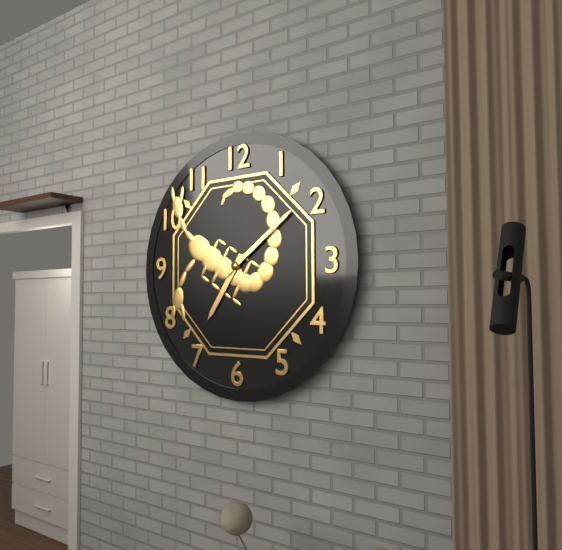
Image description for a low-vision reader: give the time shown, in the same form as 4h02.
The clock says 7h09
